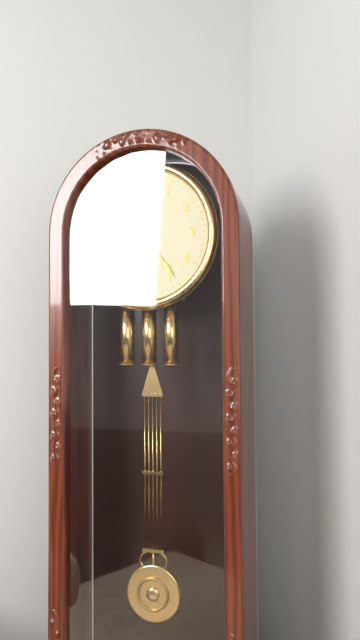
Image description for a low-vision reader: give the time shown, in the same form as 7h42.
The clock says 12h24
